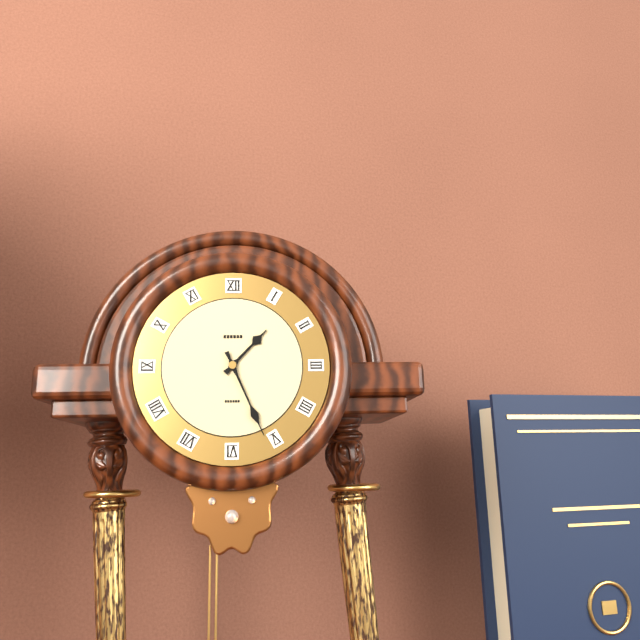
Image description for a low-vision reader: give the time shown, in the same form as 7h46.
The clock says 1h26
